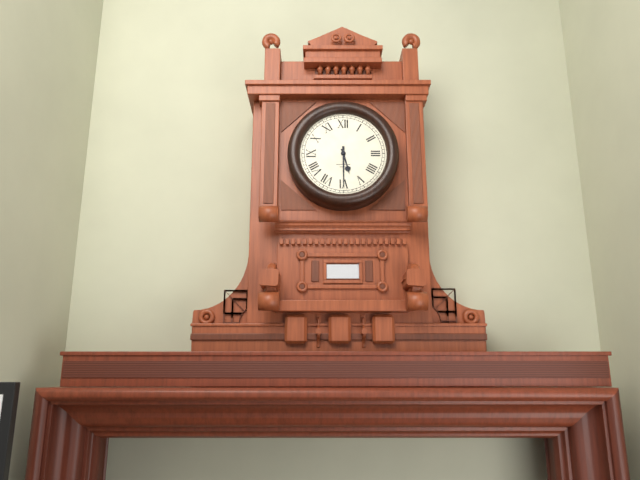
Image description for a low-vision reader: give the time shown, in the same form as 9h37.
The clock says 5h30
